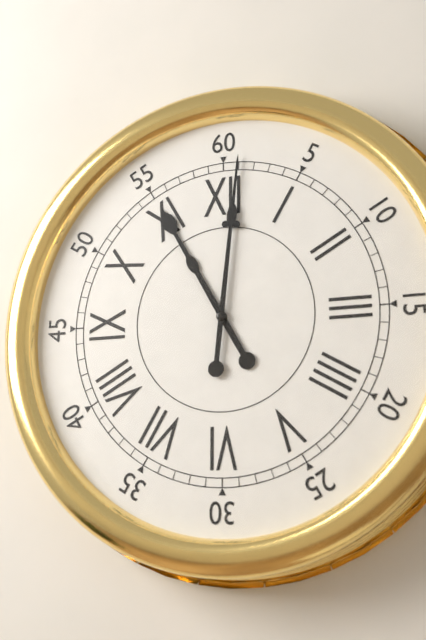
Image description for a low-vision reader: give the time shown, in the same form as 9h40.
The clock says 11h01
